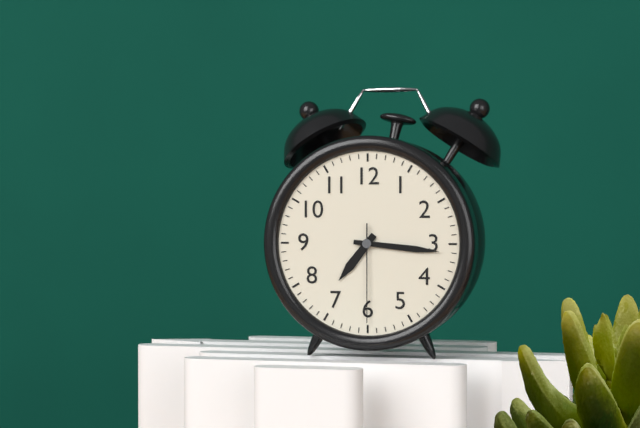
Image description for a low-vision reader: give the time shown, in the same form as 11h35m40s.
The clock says 7h16m30s
